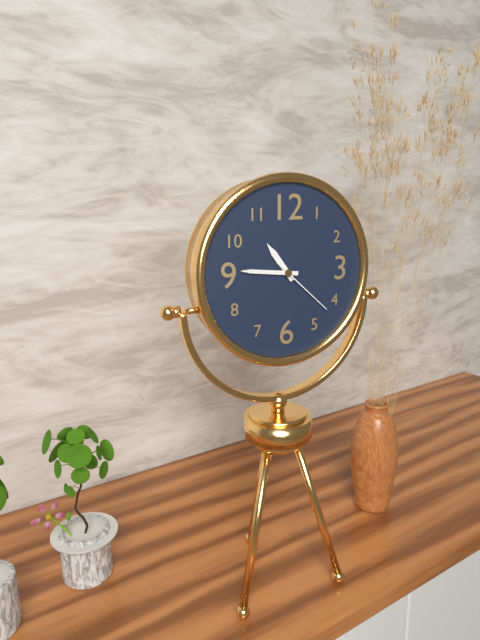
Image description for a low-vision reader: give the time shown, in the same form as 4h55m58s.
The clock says 10h46m22s
